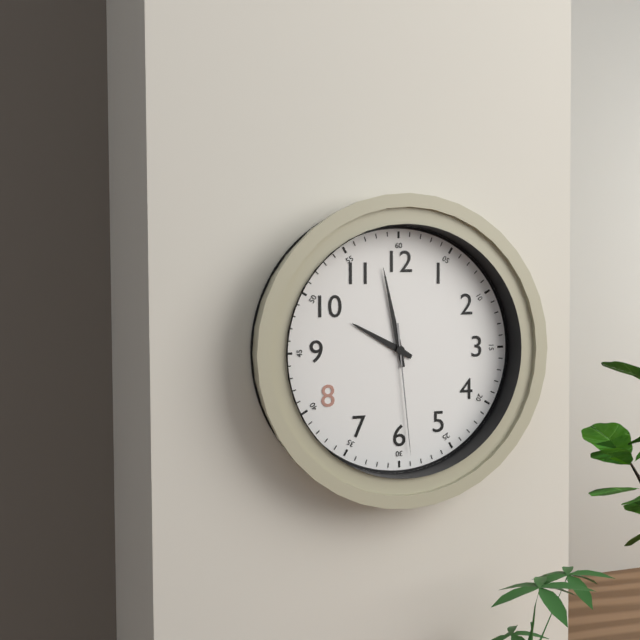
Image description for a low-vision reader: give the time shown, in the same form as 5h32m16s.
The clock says 9h58m29s
